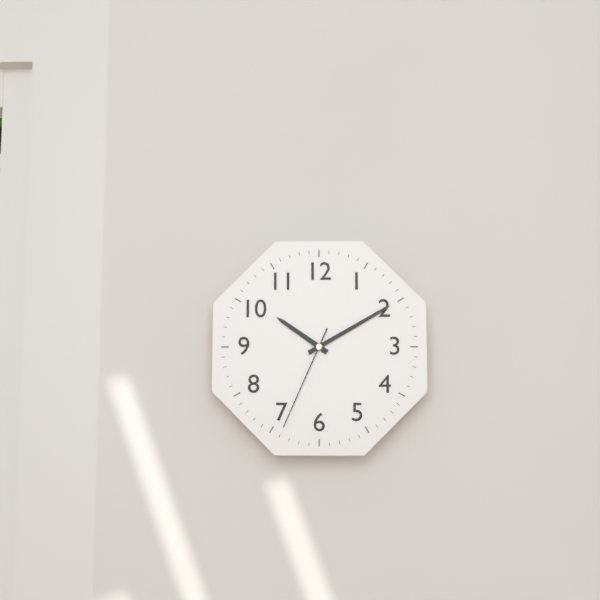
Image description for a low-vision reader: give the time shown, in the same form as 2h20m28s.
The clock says 10h10m34s
